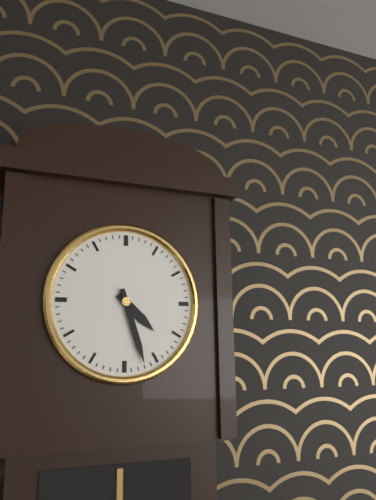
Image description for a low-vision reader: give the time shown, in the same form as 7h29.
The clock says 4h27
